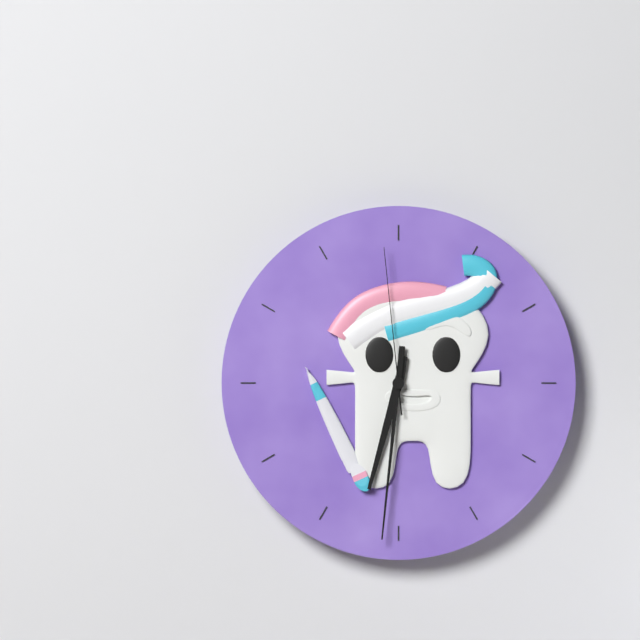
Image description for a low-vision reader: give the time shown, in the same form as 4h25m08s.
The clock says 6h31m59s
